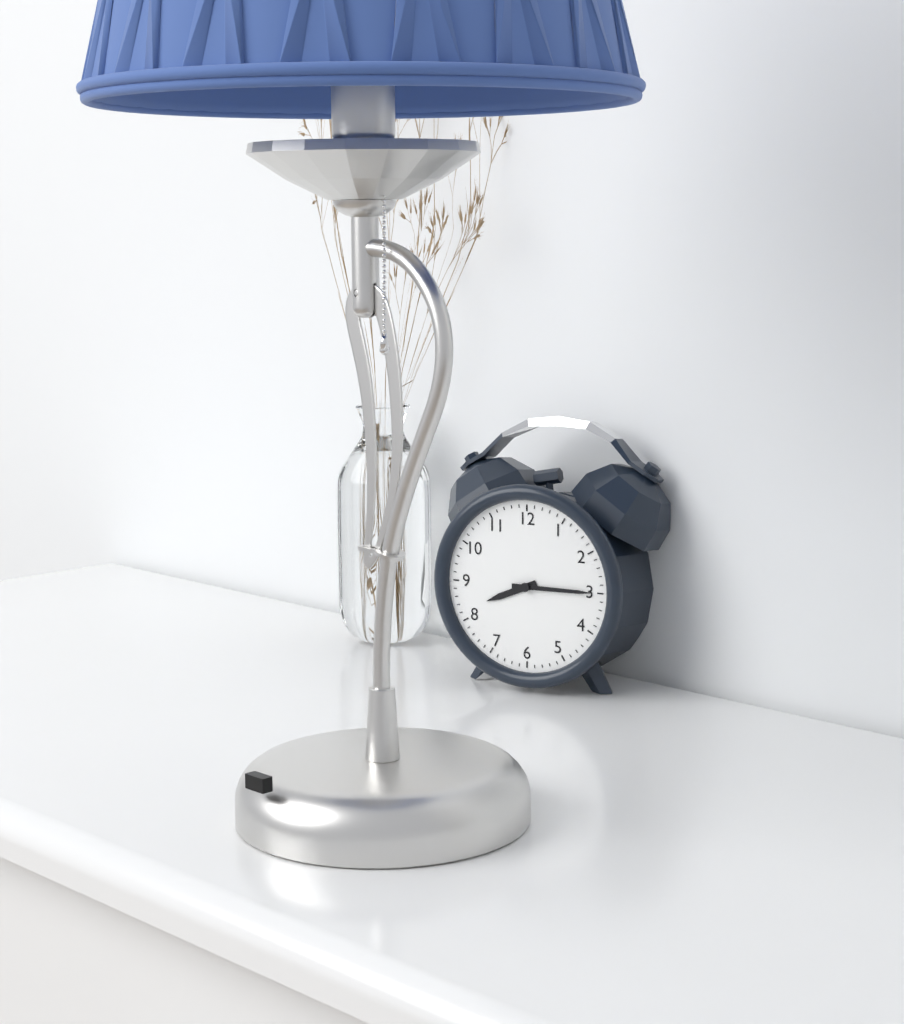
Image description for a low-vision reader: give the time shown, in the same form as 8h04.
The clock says 8h15
